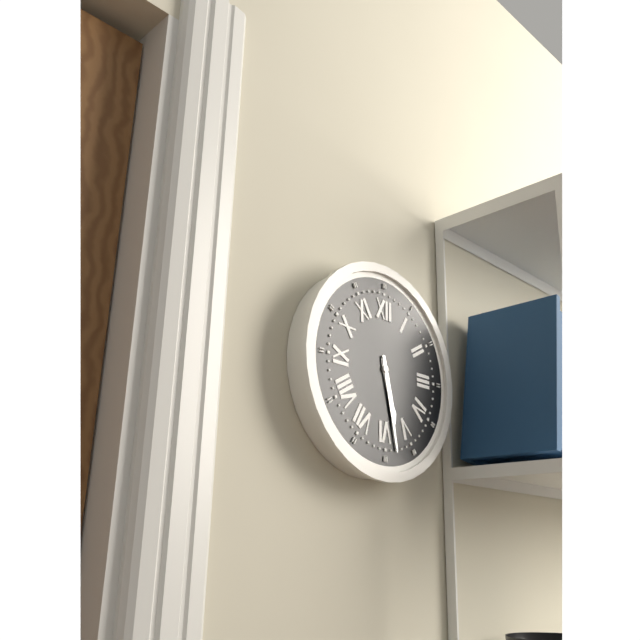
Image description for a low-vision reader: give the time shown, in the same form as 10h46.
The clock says 5h28
